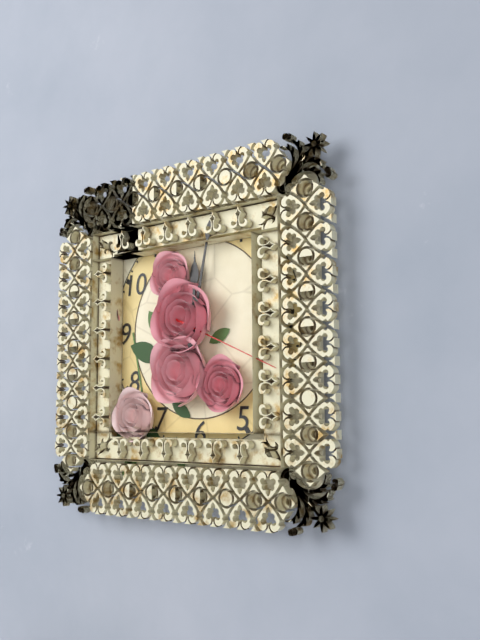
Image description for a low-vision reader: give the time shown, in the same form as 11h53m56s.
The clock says 12h02m19s
